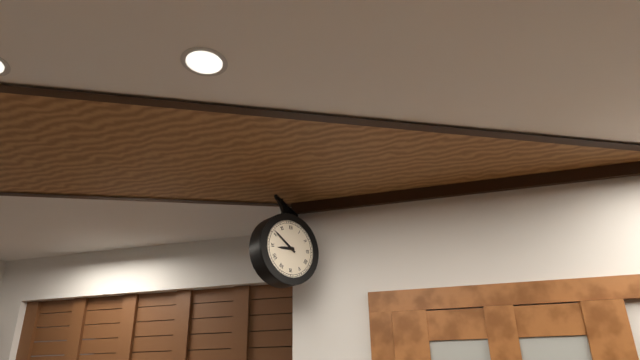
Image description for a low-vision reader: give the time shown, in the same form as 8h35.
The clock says 8h51
